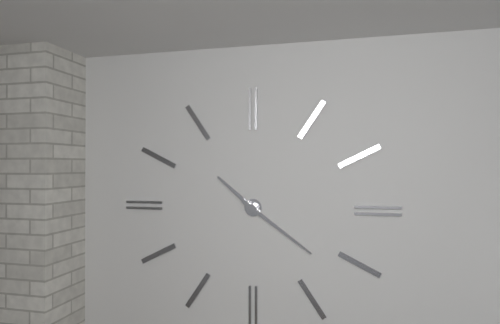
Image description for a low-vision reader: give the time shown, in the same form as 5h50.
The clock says 10h21
